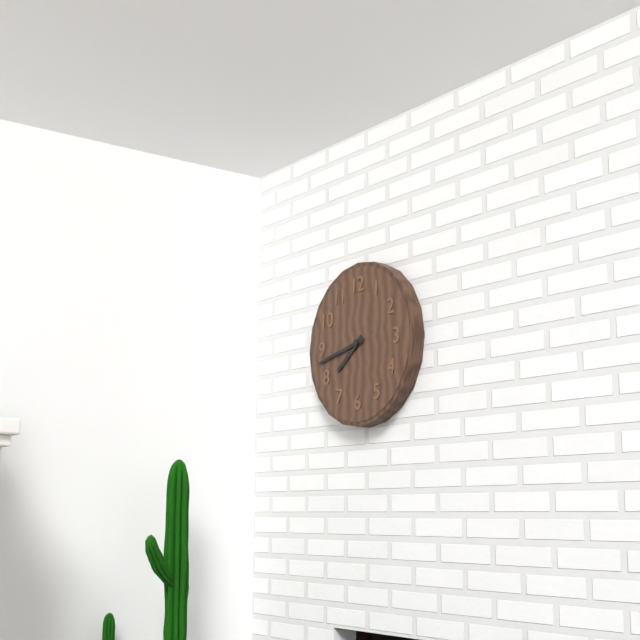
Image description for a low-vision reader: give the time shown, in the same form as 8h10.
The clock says 7h43
